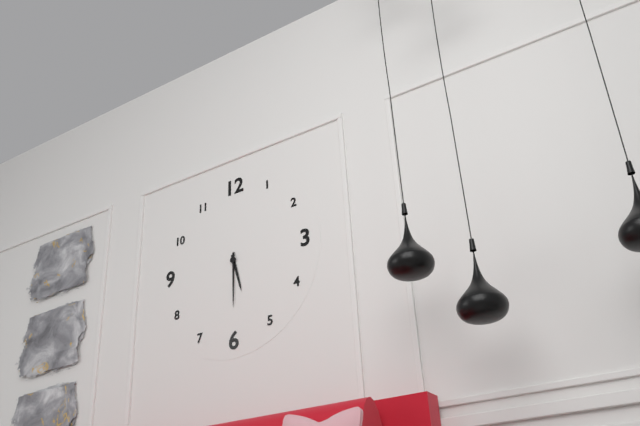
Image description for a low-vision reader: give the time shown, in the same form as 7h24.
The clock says 5h30
